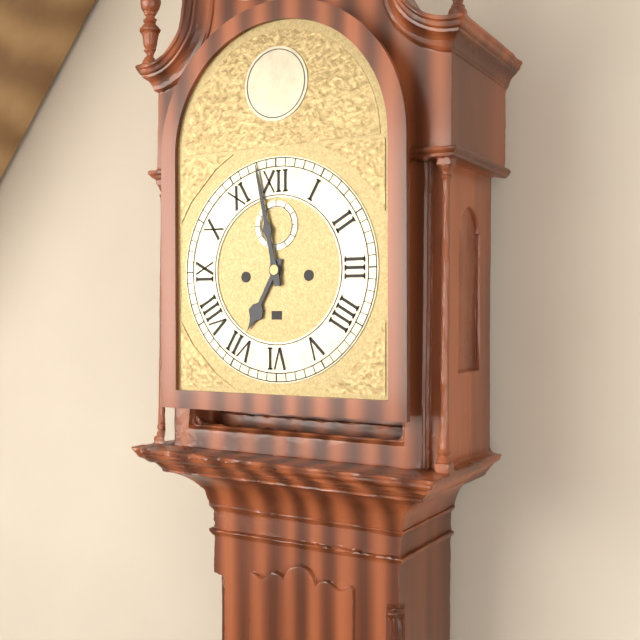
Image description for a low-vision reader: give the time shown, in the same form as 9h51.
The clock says 6h58
